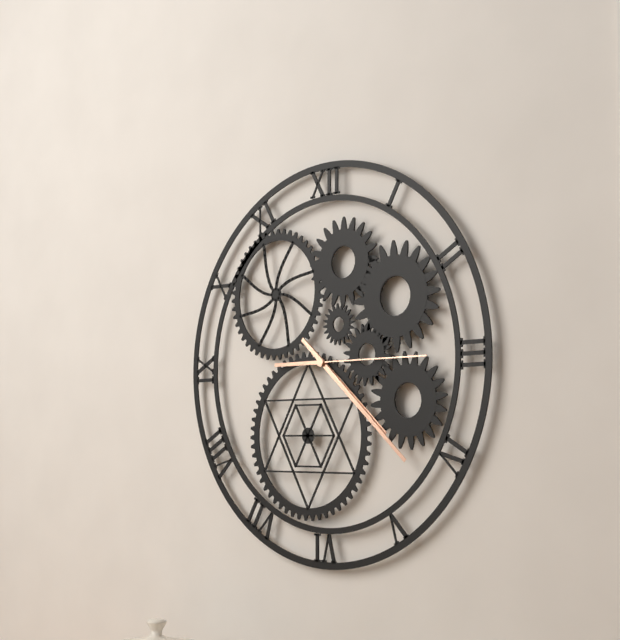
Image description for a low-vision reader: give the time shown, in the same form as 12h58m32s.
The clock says 4h22m15s
